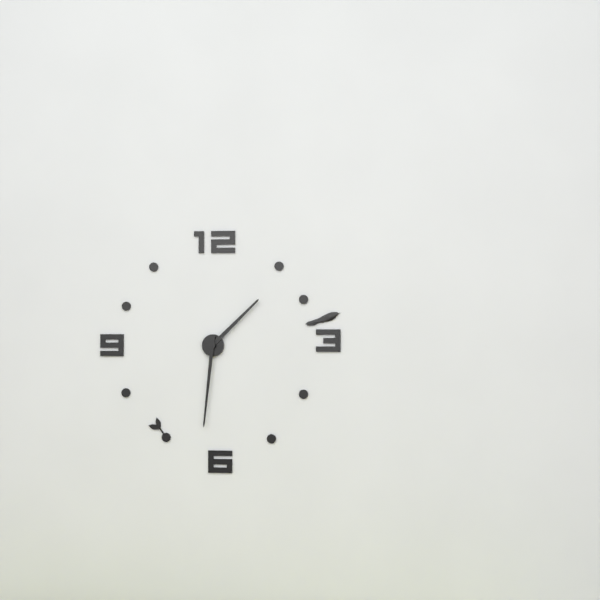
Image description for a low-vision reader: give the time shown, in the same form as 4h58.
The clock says 1h31
